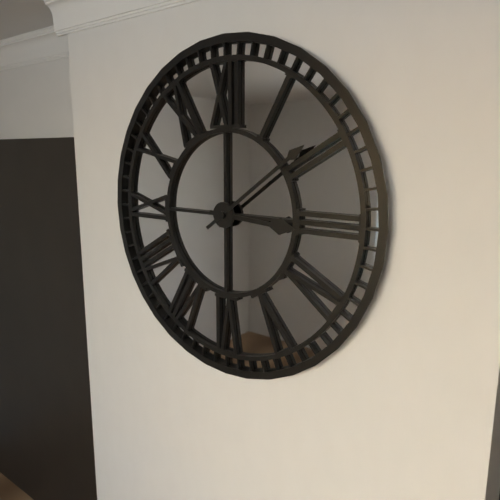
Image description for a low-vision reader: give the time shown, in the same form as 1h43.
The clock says 3h09
